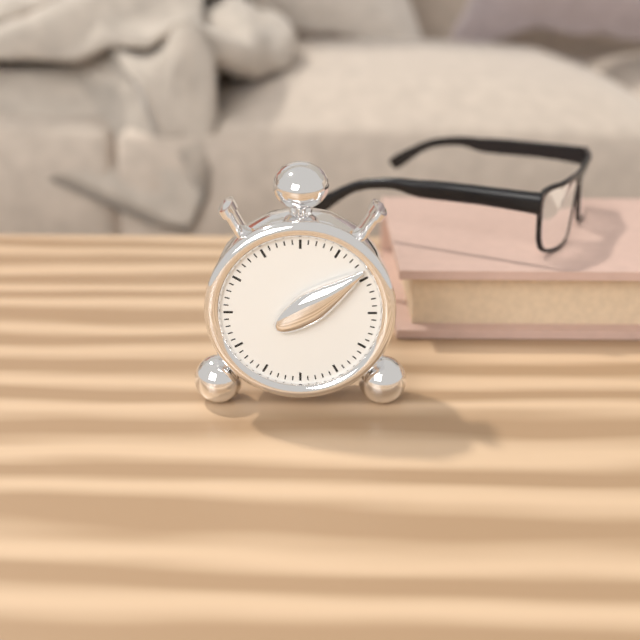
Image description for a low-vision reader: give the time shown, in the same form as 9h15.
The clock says 2h09
